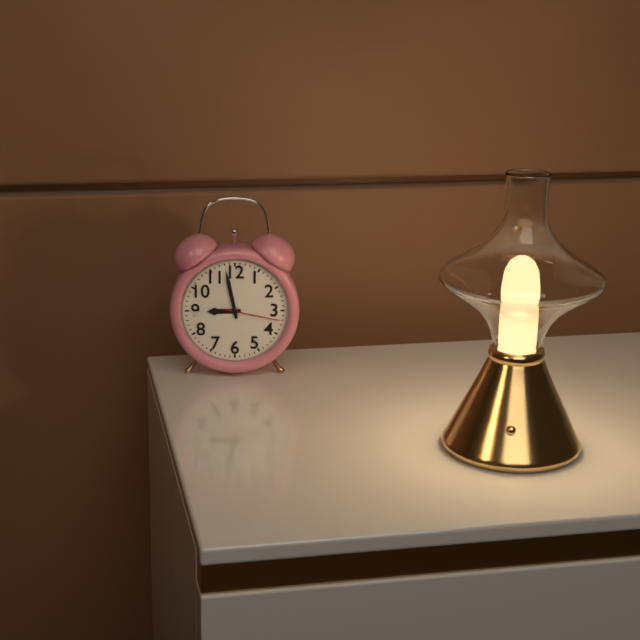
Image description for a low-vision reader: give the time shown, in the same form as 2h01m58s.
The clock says 8h58m17s
